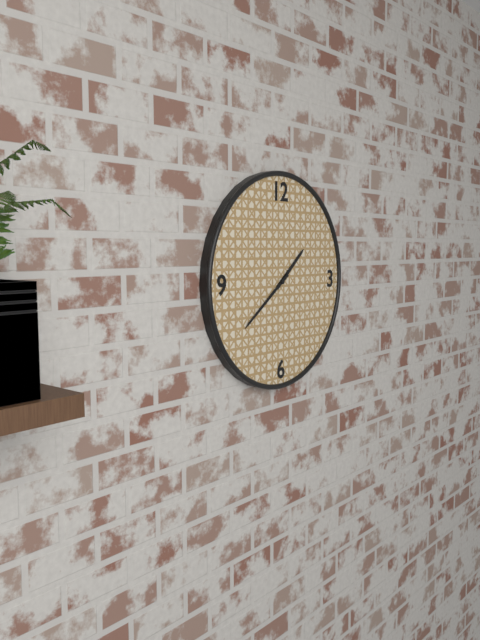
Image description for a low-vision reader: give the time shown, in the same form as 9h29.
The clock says 1h39
